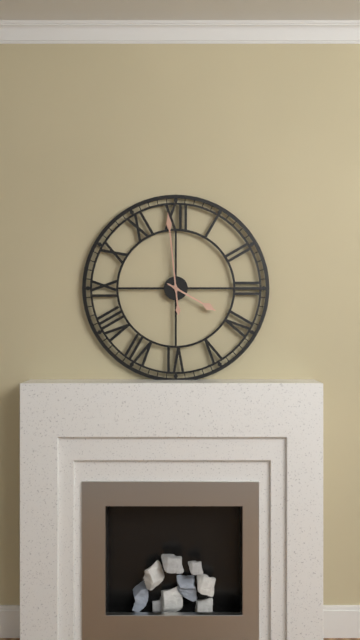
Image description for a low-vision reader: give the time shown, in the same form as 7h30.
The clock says 3h59
